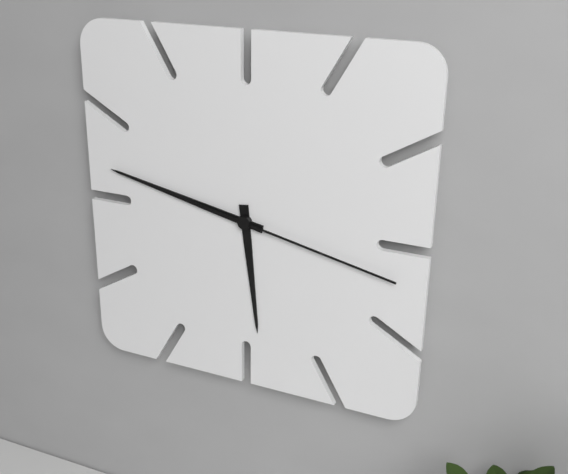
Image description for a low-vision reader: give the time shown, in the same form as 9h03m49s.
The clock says 5h47m17s
